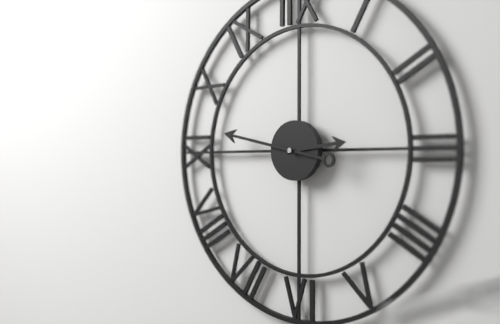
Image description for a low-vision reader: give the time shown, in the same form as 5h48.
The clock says 2h47
